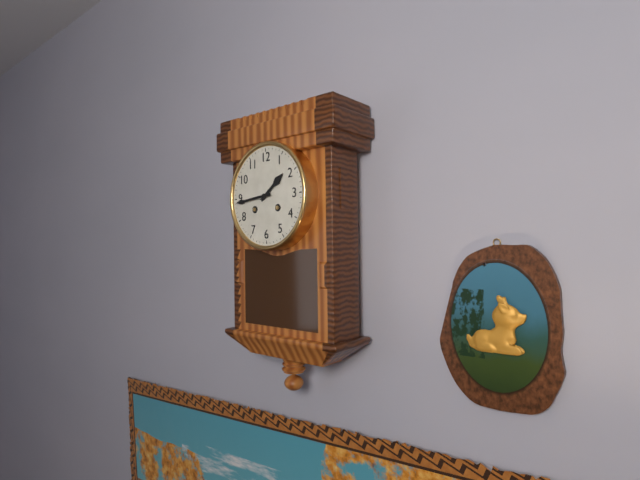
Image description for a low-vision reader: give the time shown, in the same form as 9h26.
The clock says 1h44
